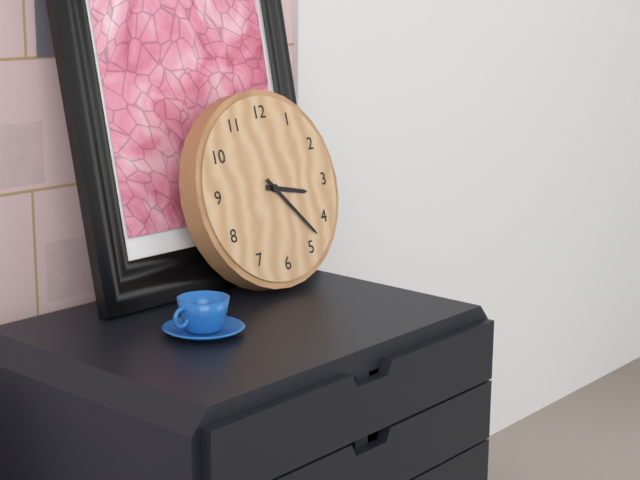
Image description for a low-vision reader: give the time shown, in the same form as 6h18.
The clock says 3h23
